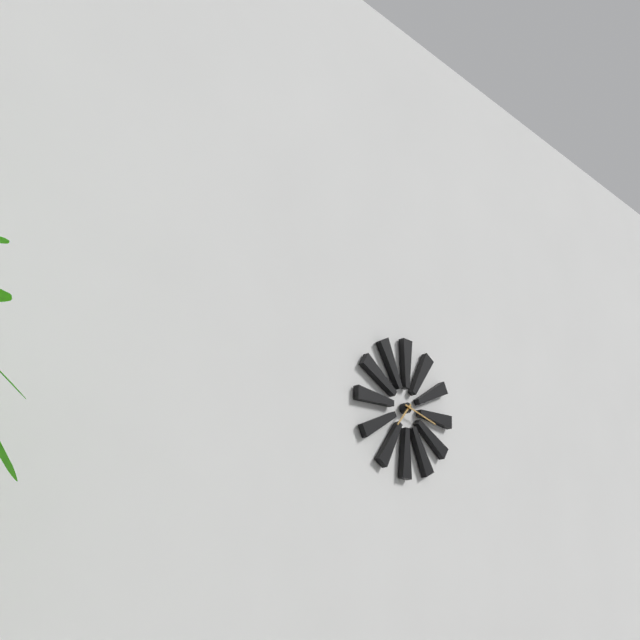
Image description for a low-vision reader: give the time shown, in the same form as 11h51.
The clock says 7h17
